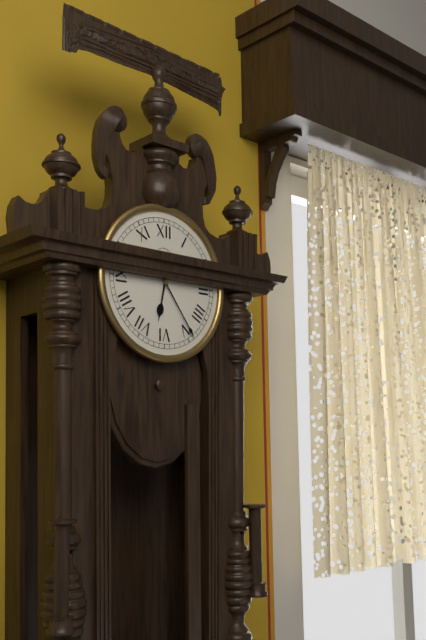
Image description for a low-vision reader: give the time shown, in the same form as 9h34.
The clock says 6h24
